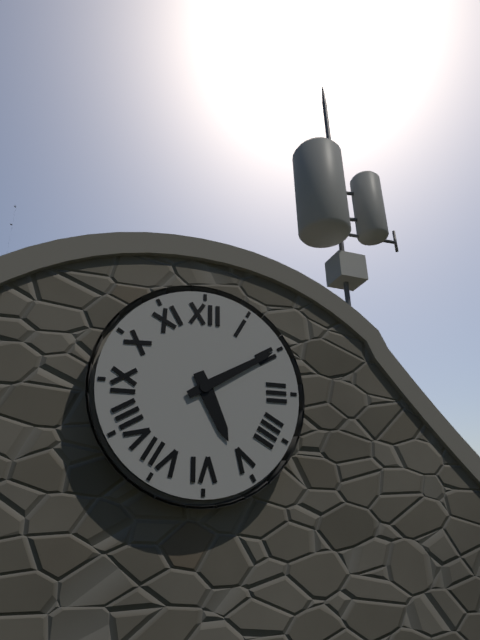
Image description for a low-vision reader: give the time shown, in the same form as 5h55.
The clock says 5h10
